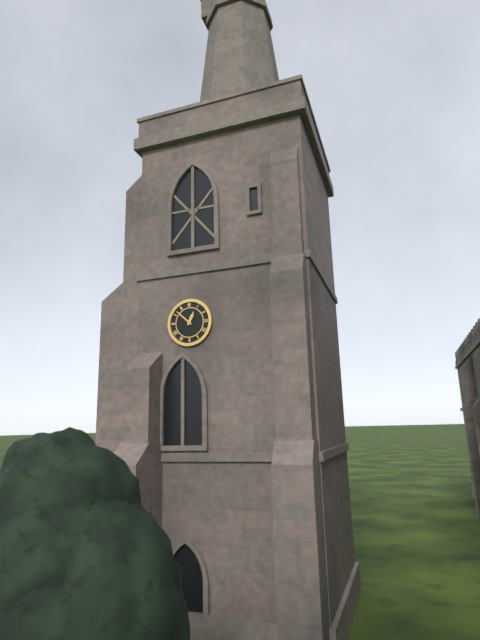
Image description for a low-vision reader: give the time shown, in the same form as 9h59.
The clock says 12h52
